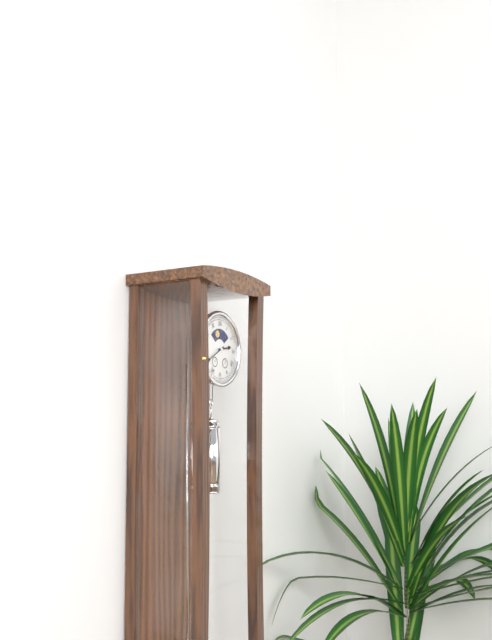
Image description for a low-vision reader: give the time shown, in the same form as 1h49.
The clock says 2h40
